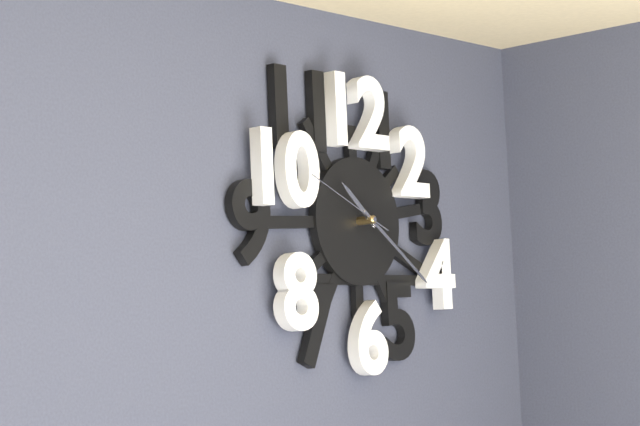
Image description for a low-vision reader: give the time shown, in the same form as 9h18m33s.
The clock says 10h21m49s
